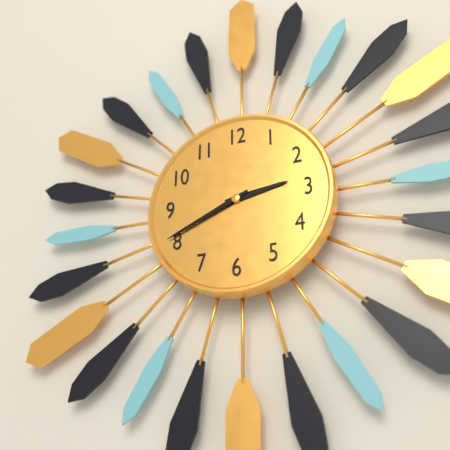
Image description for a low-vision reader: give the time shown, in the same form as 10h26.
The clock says 2h41
